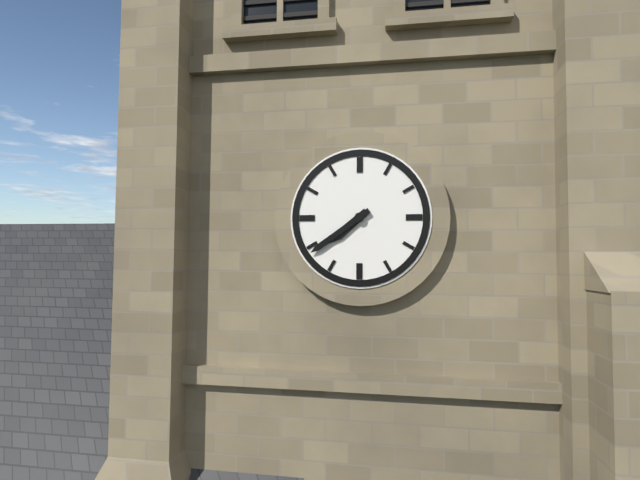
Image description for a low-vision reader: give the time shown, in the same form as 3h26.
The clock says 7h39
